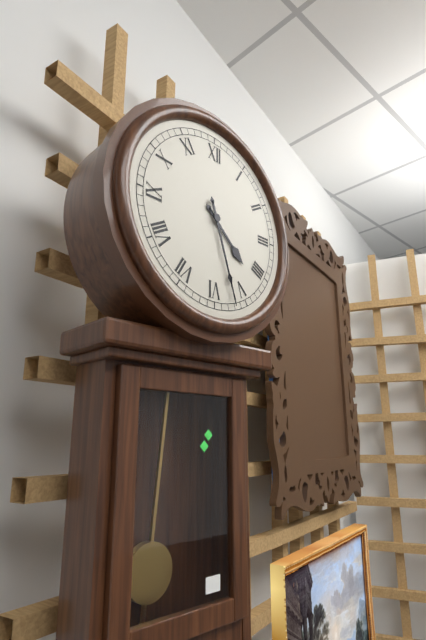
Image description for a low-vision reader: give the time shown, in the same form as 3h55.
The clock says 4h27
